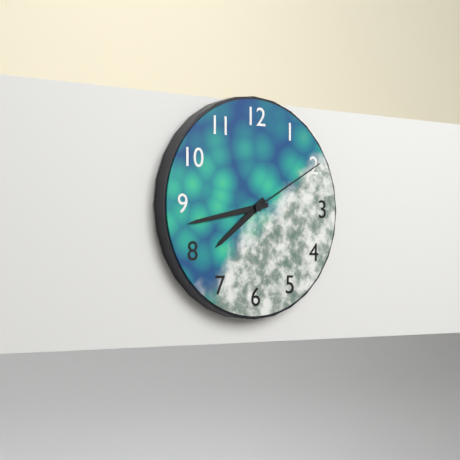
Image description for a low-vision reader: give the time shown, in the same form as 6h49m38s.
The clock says 7h43m10s
